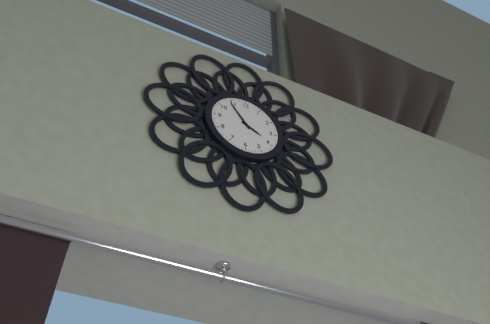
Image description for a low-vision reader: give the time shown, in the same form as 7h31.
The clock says 3h54
